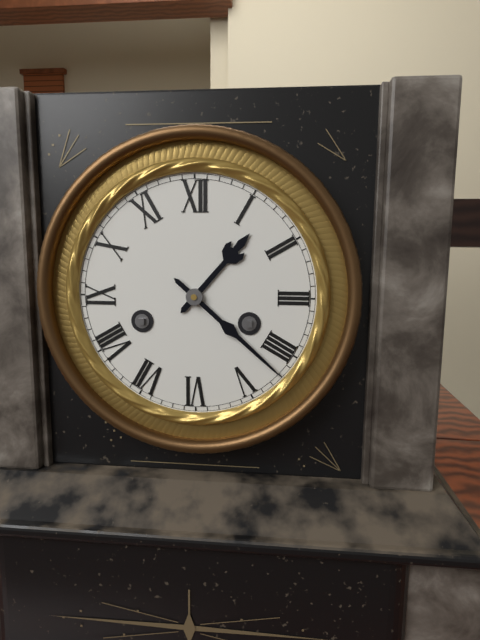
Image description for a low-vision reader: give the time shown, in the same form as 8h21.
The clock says 1h22
